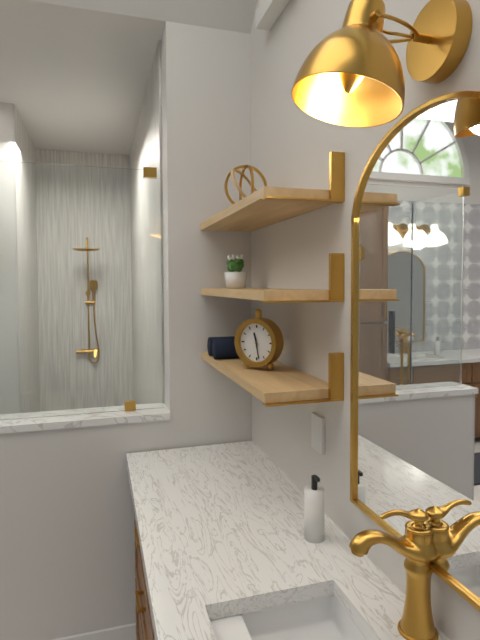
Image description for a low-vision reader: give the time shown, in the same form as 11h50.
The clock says 11h28
